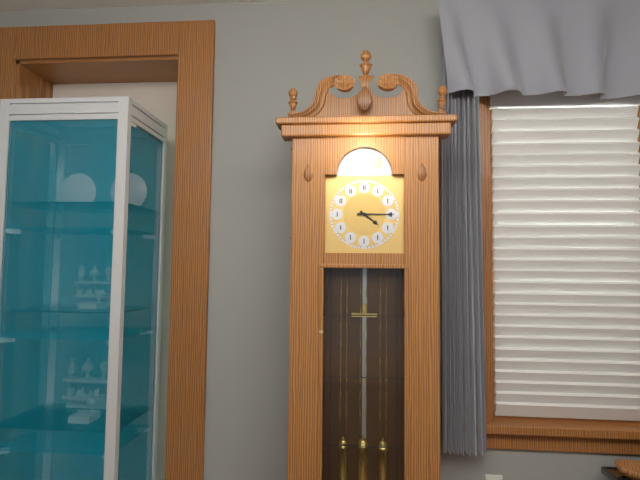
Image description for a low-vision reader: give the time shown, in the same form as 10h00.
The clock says 4h15
